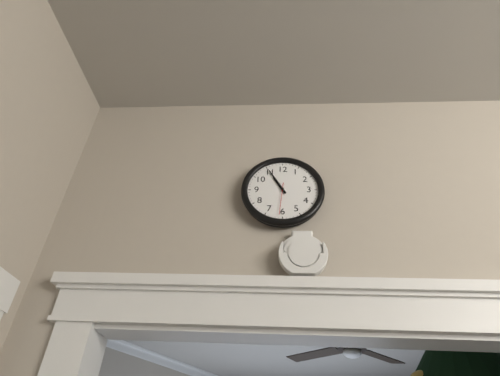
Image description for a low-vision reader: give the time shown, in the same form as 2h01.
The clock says 10h55
